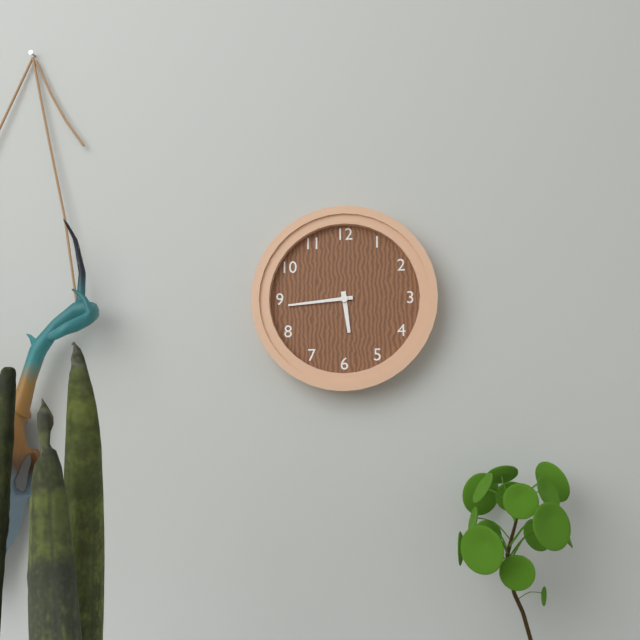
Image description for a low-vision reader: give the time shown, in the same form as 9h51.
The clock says 5h44
